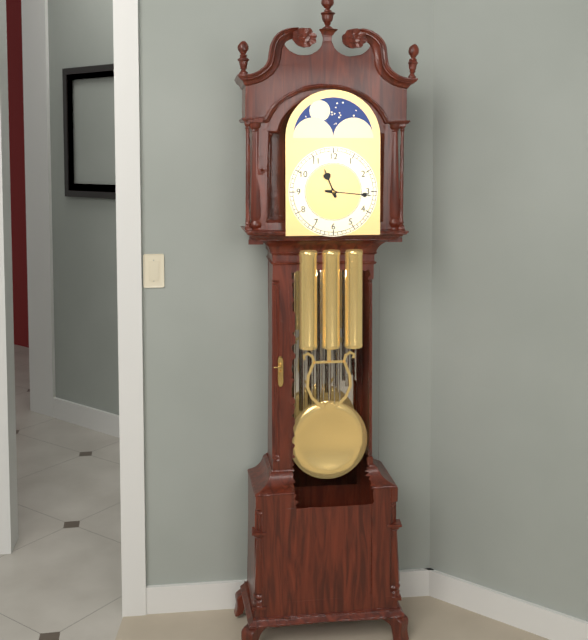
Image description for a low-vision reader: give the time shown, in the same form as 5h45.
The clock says 11h16
